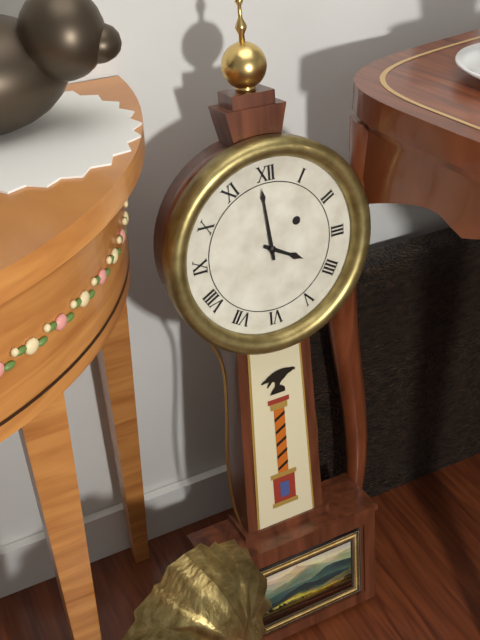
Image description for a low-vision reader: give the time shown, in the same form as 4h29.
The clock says 3h59
